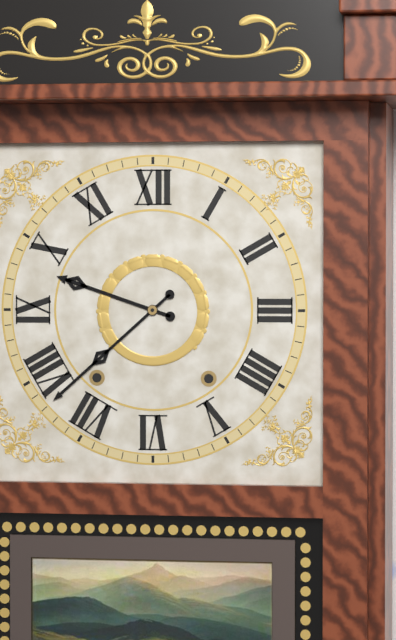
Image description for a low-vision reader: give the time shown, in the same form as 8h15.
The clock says 9h38
